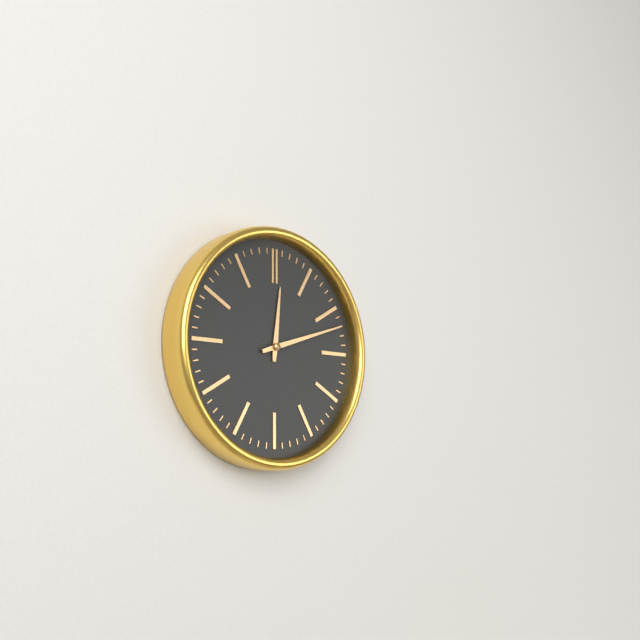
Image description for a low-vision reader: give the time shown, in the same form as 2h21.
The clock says 12h12
